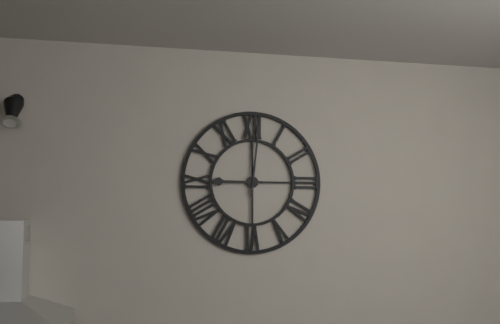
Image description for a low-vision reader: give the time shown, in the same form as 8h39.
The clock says 9h01
